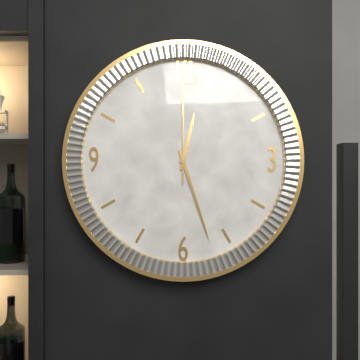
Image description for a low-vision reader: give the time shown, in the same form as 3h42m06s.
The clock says 12h27m00s
